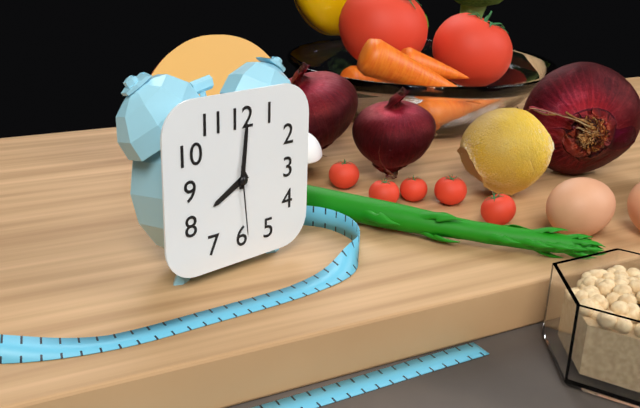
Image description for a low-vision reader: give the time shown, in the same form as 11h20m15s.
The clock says 8h01m29s
